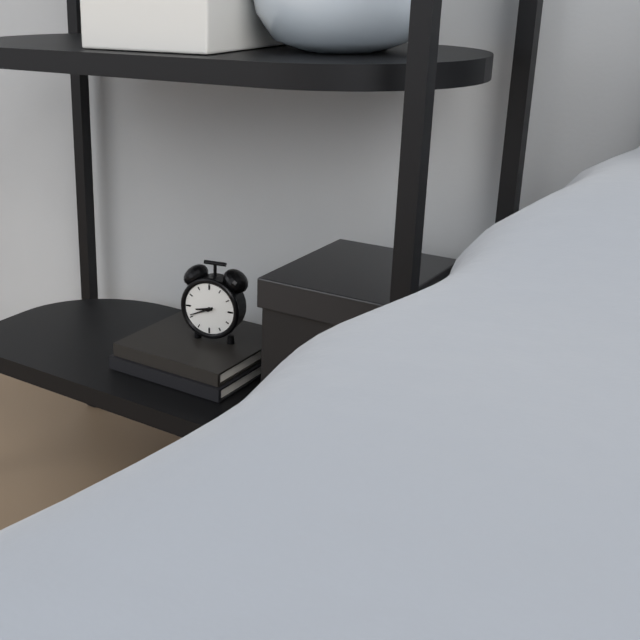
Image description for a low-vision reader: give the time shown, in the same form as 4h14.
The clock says 8h41
